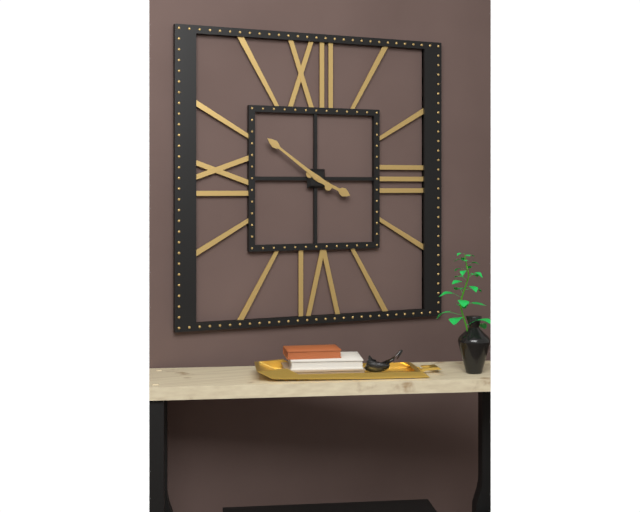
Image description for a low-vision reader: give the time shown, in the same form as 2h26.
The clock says 3h51
